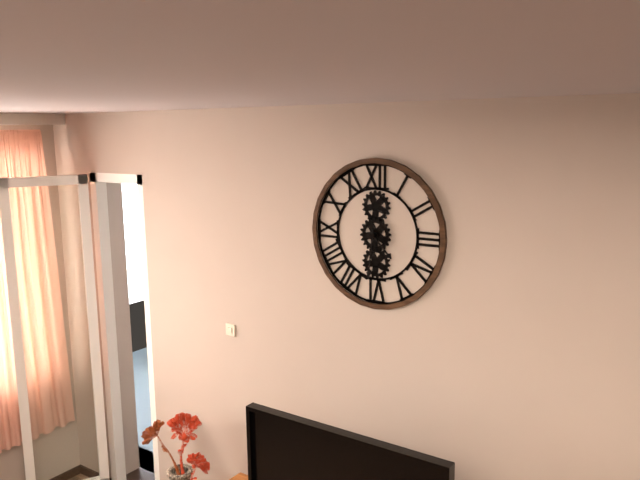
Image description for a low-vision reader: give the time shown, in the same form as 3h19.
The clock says 4h31
